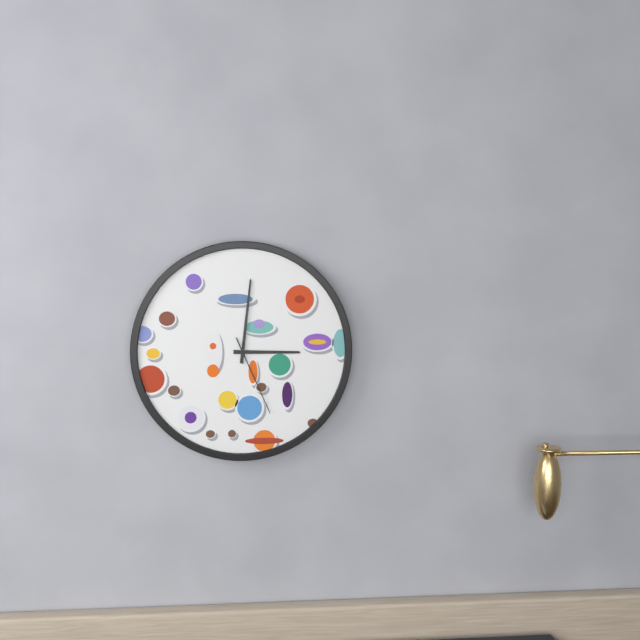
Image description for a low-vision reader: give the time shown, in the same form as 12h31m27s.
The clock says 3h01m26s
